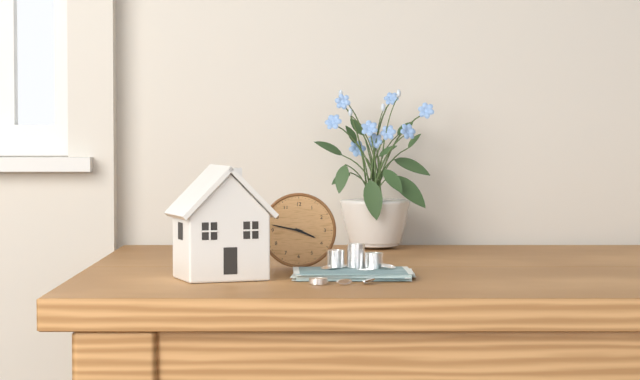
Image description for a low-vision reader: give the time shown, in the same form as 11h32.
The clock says 3h47
